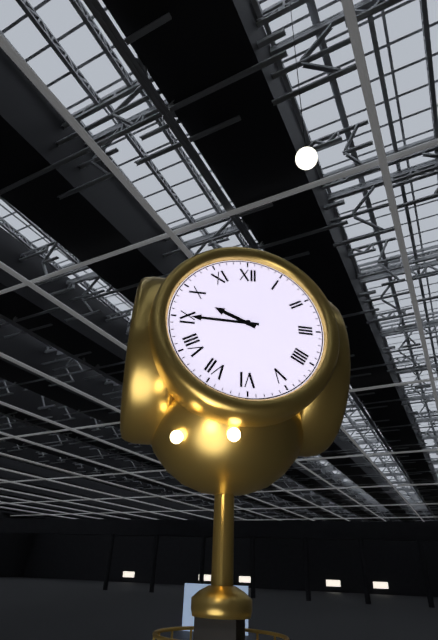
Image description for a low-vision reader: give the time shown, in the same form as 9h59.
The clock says 9h45
